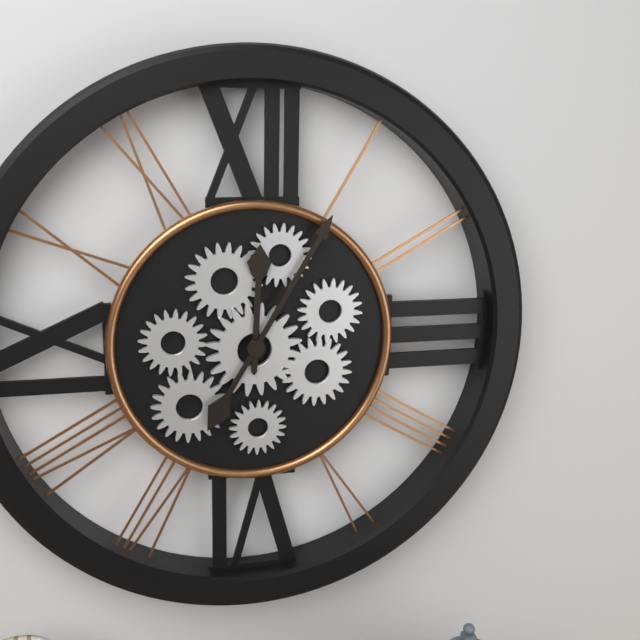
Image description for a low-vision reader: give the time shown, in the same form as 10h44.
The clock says 12h05
